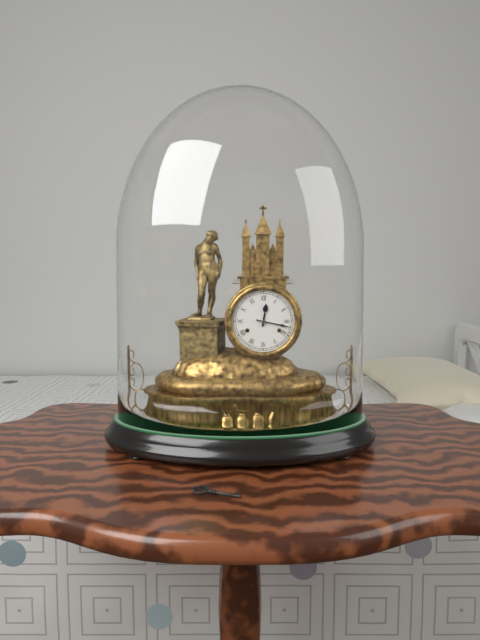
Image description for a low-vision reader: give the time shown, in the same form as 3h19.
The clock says 12h17
